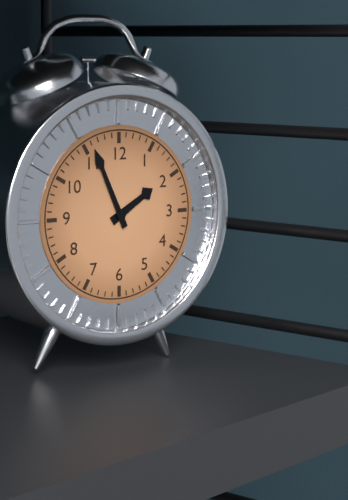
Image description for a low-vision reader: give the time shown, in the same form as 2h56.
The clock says 1h56
